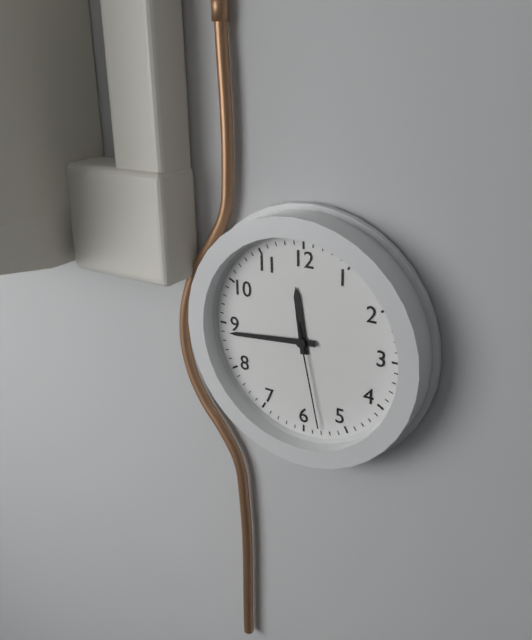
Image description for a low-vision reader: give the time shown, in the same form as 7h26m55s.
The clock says 11h44m28s
